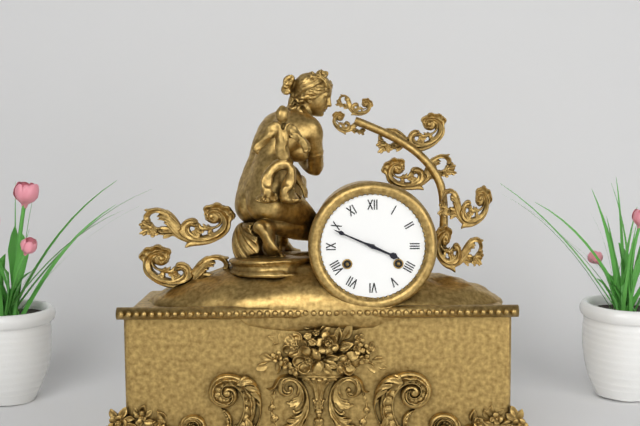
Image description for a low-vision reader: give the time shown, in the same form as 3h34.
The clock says 3h49
